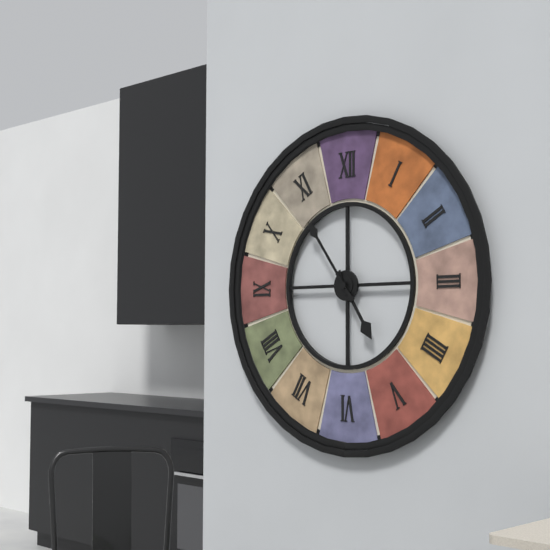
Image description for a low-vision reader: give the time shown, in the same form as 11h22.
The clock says 4h54
